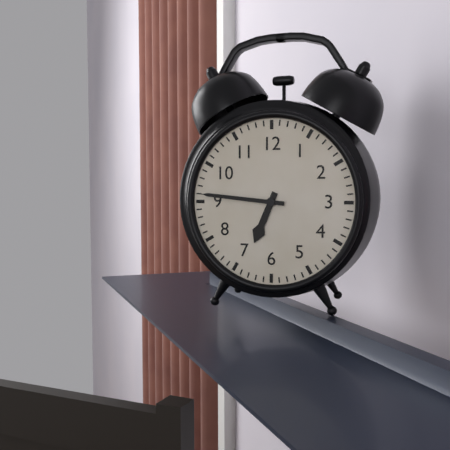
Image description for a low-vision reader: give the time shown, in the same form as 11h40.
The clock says 6h46
